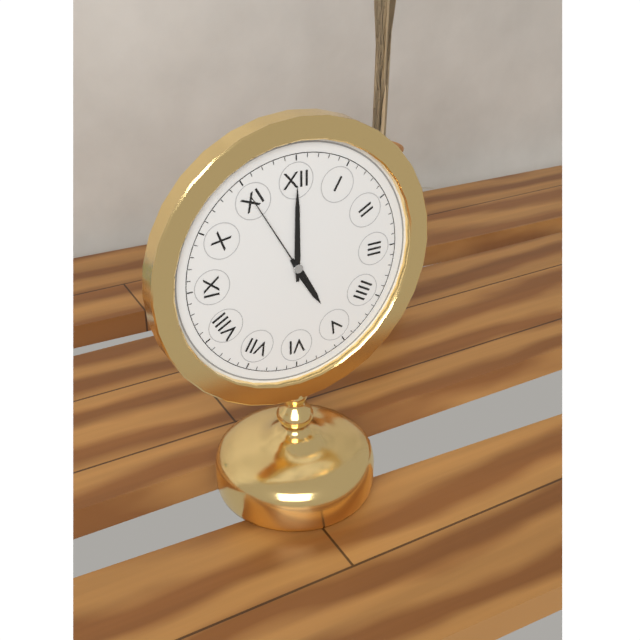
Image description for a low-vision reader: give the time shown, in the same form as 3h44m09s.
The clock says 5h00m55s
